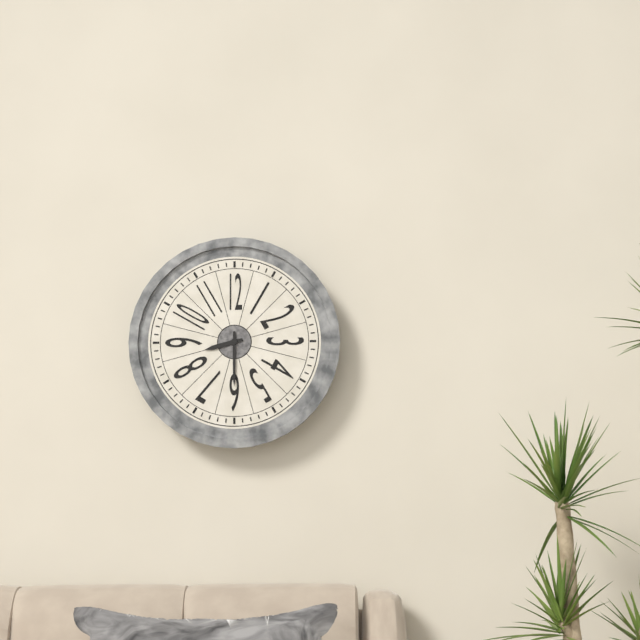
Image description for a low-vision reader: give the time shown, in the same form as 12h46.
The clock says 8h30
